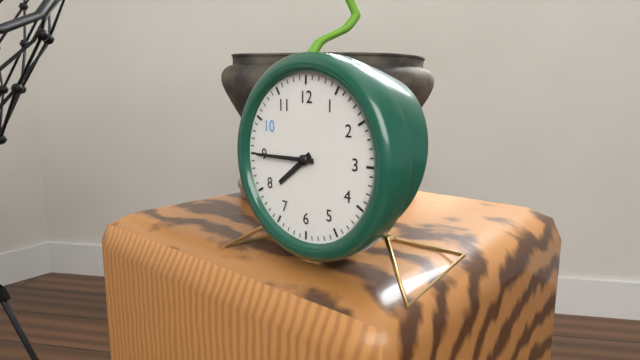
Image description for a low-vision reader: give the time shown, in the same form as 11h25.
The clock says 7h45
